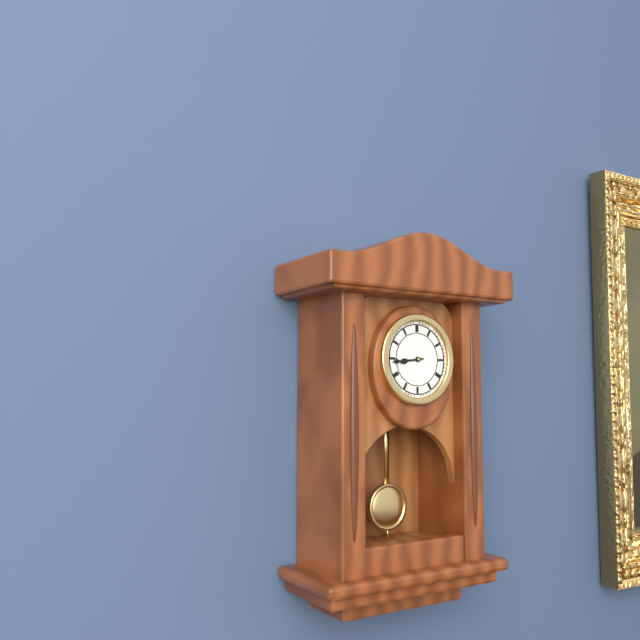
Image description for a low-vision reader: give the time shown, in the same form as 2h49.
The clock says 8h44
